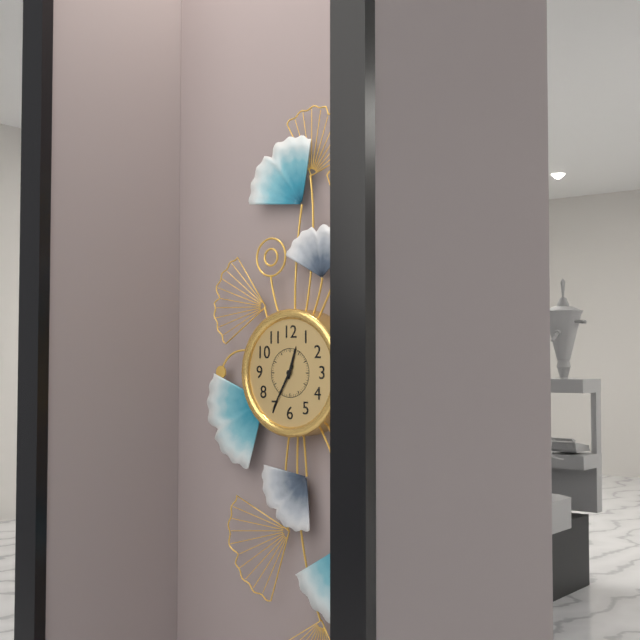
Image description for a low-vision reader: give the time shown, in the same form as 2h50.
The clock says 12h35
